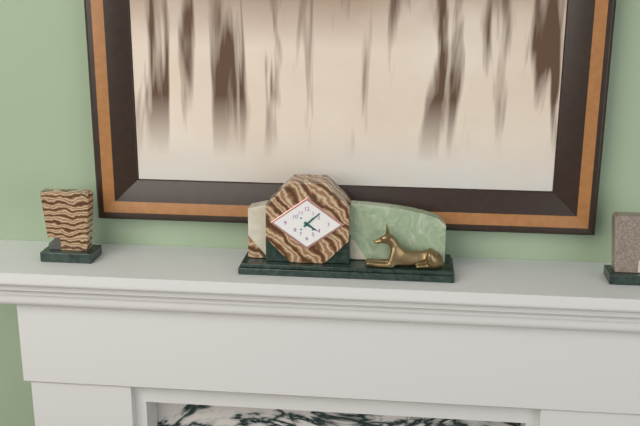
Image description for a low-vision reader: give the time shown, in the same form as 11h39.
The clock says 4h08
